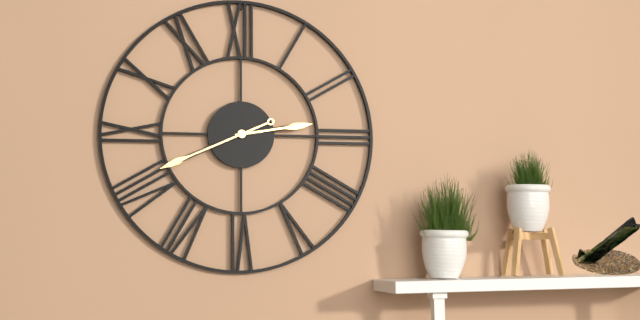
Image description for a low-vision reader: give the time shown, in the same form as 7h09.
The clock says 2h41
